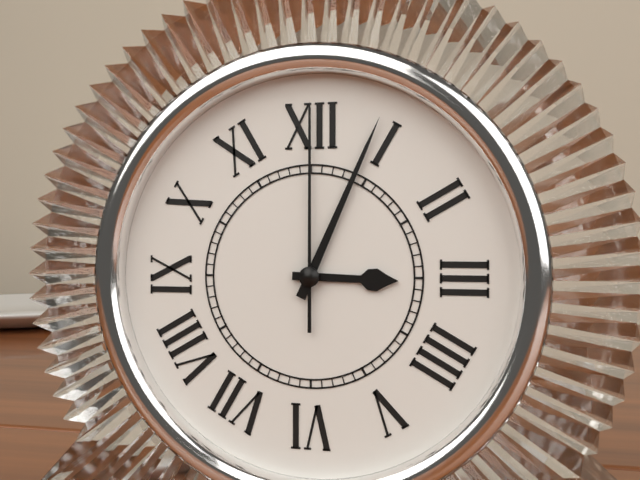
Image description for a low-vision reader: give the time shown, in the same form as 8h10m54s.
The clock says 3h04m00s
